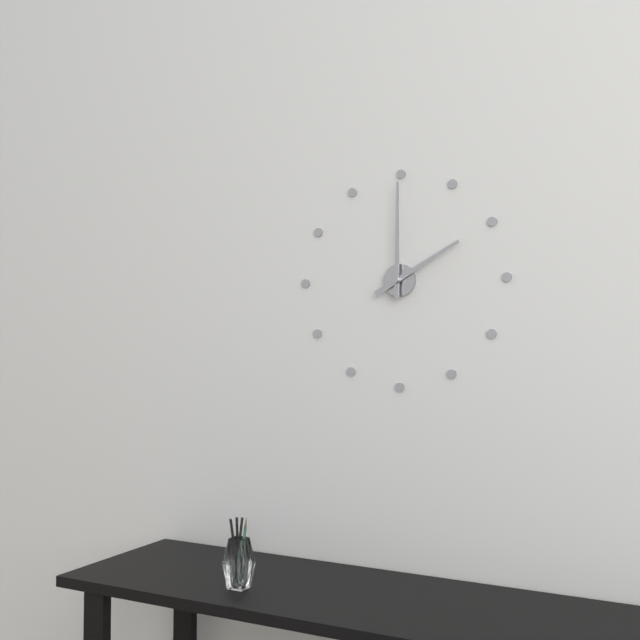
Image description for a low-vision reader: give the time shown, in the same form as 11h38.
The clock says 2h00
